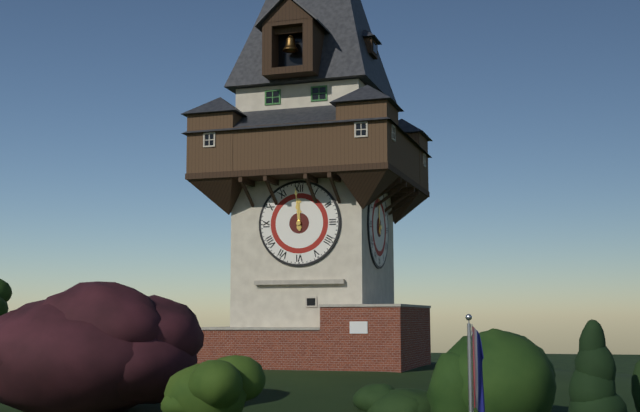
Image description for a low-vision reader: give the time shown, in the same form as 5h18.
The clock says 11h59
